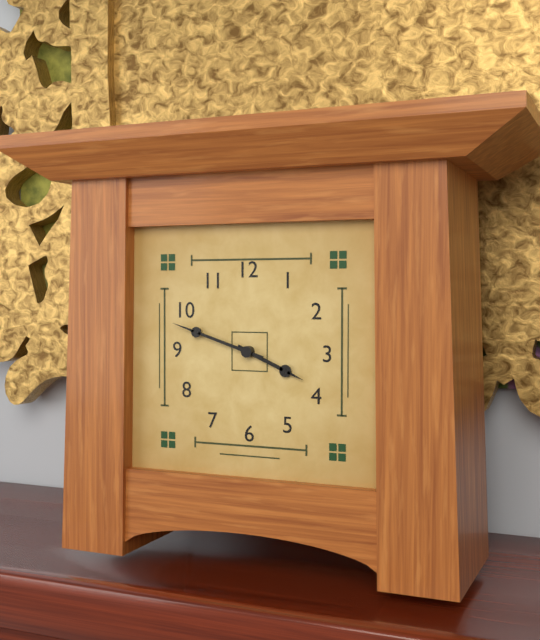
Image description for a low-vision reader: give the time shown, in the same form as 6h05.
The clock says 3h48
